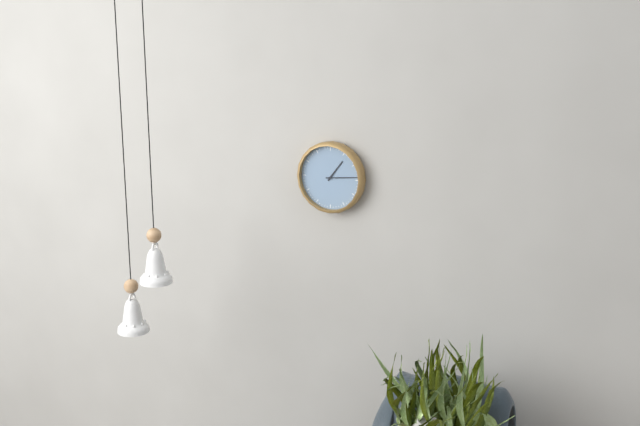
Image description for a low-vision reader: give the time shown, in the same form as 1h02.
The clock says 1h14
